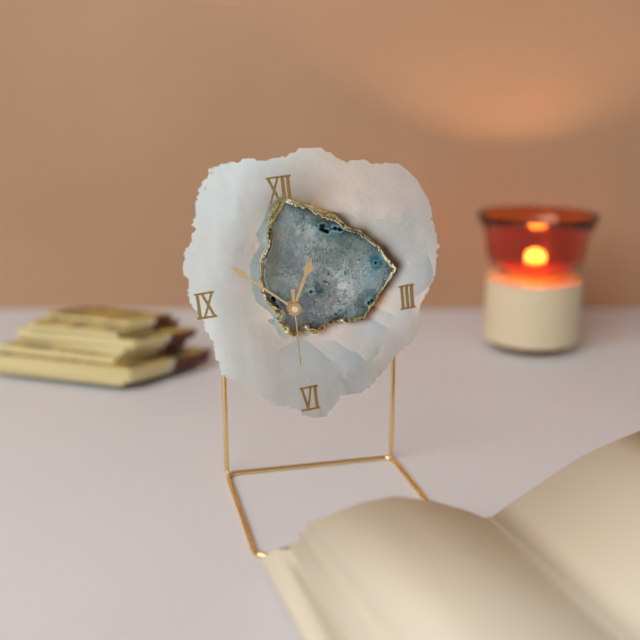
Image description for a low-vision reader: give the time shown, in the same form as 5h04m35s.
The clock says 12h52m30s
